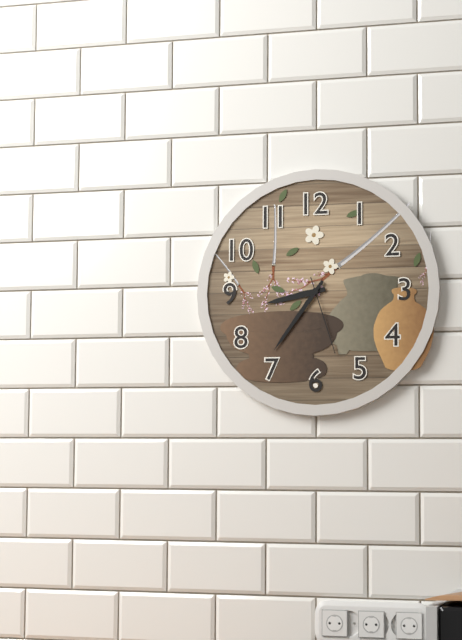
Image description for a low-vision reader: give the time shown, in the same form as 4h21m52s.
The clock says 8h36m27s
